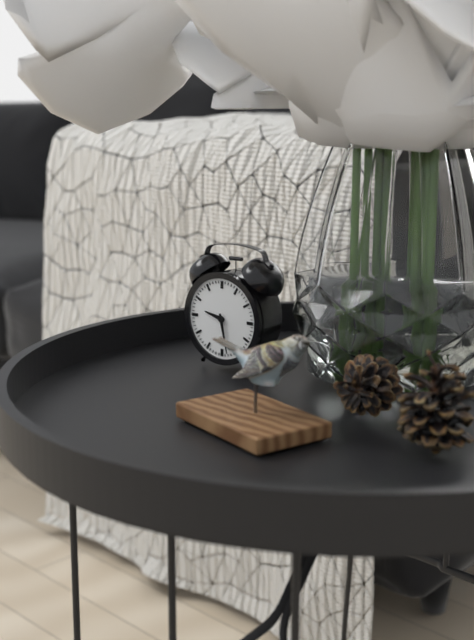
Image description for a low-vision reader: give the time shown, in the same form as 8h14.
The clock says 9h28
